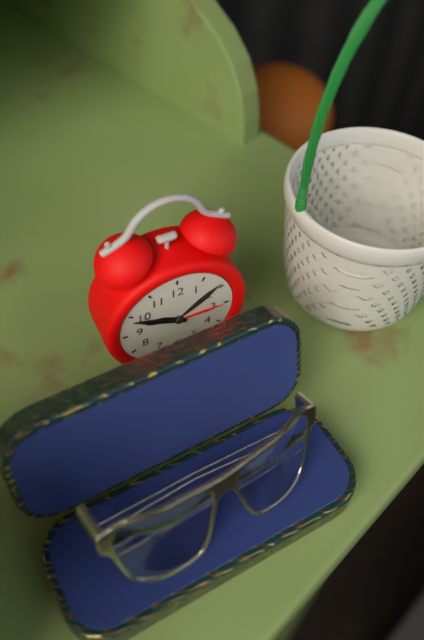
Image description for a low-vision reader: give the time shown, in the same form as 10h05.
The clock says 9h49
